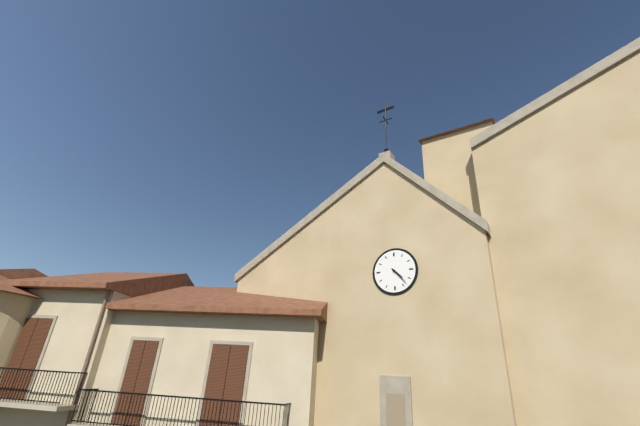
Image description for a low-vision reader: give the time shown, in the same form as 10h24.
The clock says 4h23
